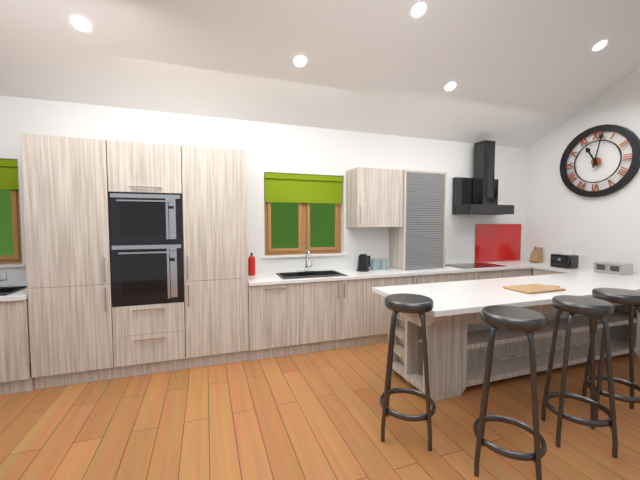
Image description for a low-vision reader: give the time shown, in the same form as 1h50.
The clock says 11h02
